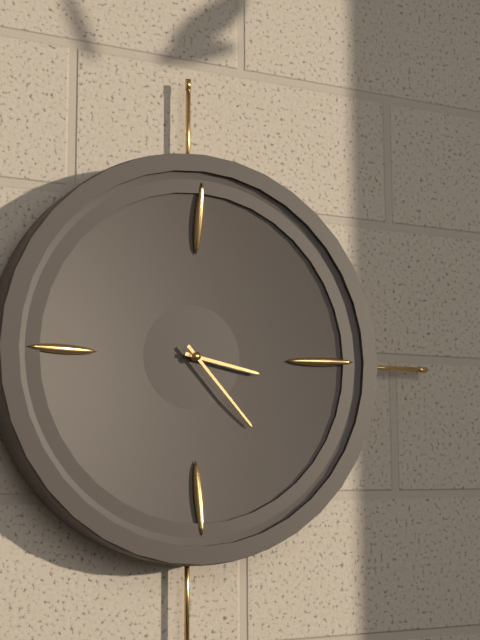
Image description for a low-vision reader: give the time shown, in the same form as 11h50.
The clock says 3h23
